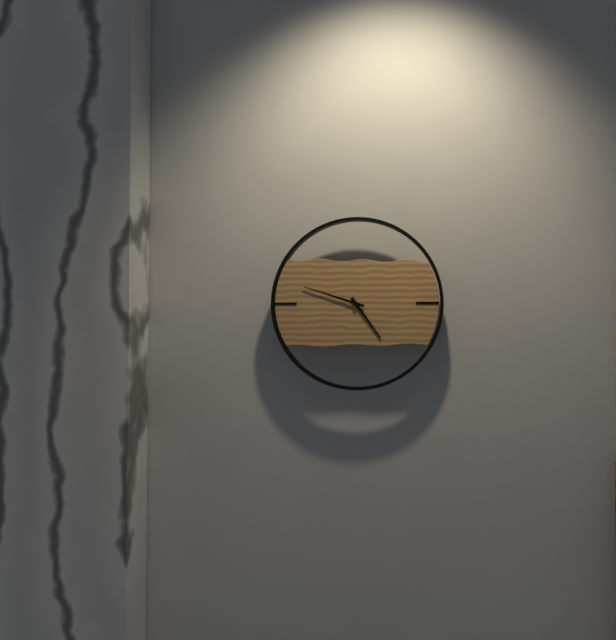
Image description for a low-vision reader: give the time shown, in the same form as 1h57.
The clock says 4h48
